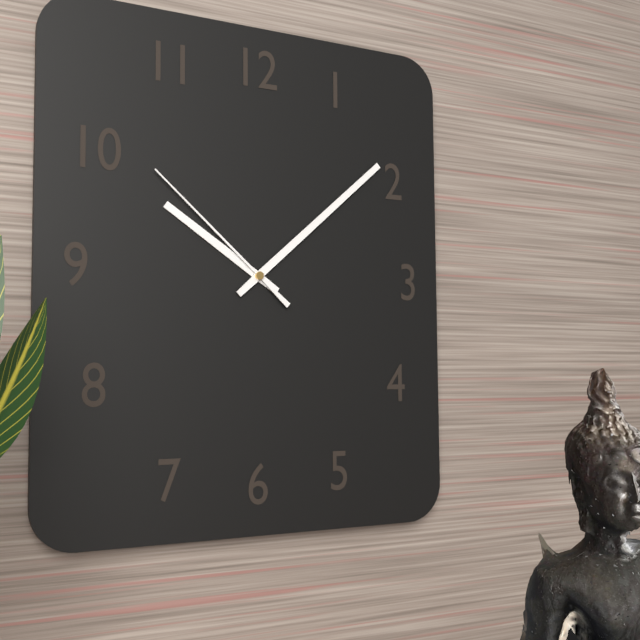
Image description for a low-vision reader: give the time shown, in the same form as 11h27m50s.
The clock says 10h08m52s
